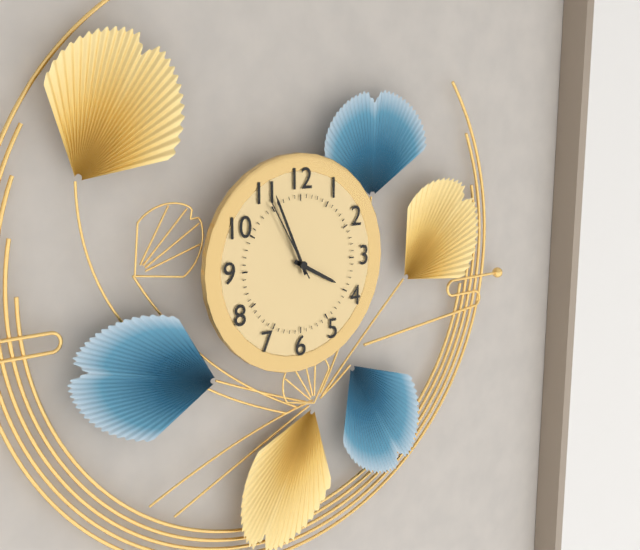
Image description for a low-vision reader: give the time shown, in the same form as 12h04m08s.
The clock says 3h56m55s
